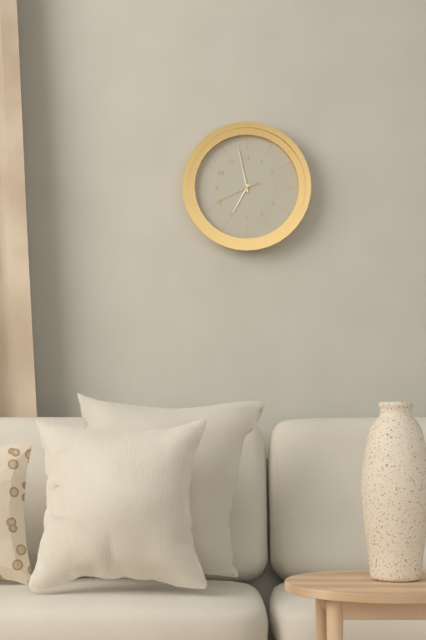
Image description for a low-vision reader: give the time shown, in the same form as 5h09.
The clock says 6h58
